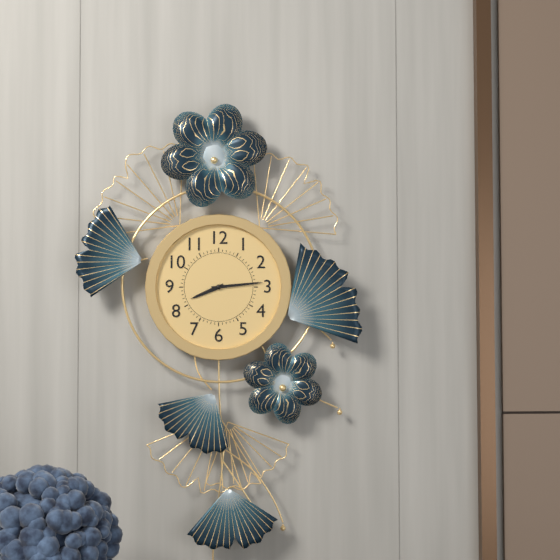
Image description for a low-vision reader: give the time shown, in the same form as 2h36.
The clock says 8h14
